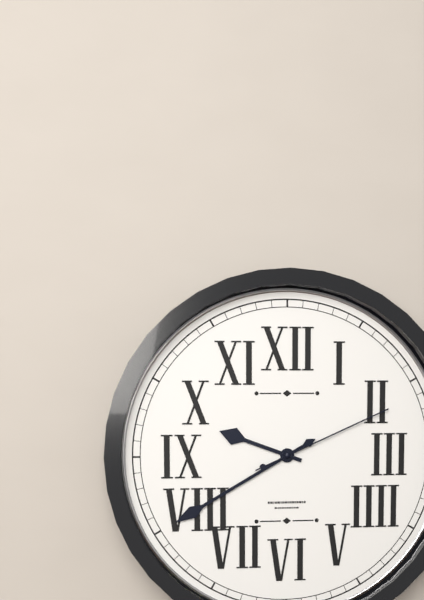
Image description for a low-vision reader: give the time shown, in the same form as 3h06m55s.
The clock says 9h40m11s
